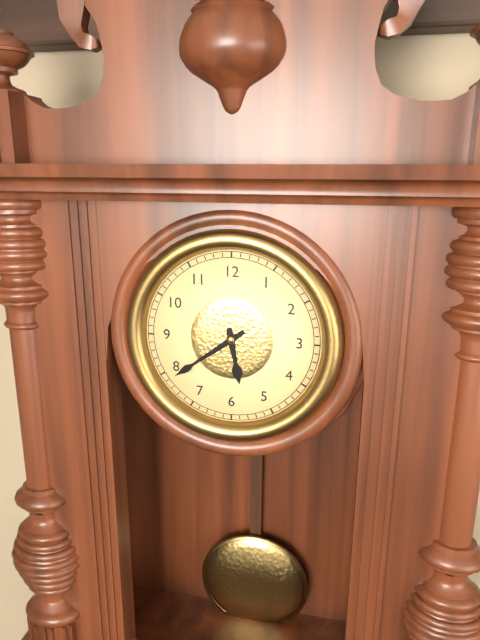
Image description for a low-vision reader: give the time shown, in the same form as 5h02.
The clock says 5h39
